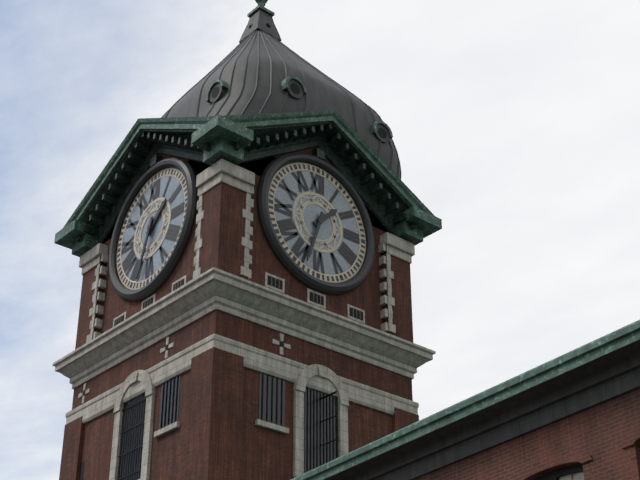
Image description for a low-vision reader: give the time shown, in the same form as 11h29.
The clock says 1h33
